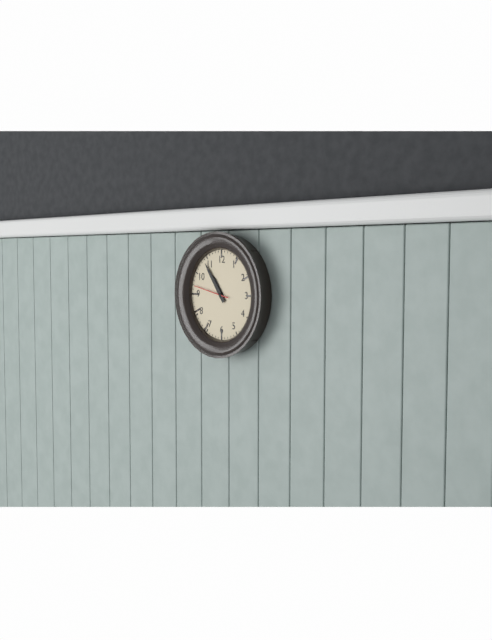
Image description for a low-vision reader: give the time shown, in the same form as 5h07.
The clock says 10h54
